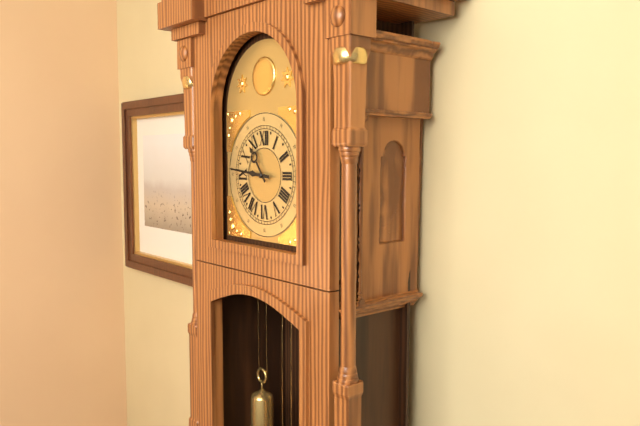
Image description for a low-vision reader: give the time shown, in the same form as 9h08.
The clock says 10h46
